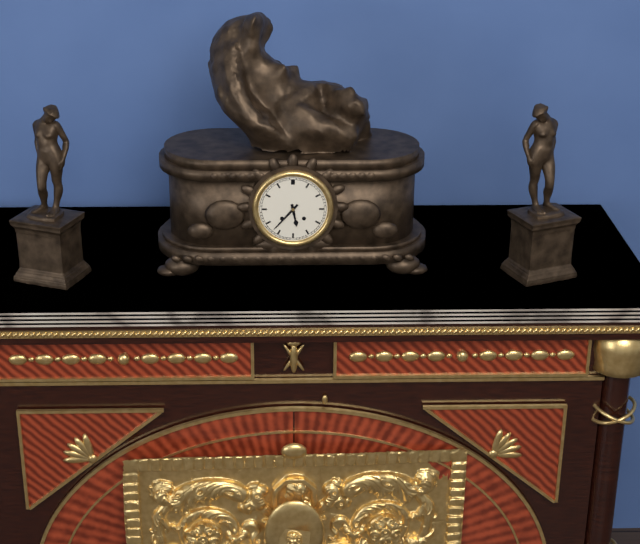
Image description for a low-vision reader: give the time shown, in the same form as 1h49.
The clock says 5h37
